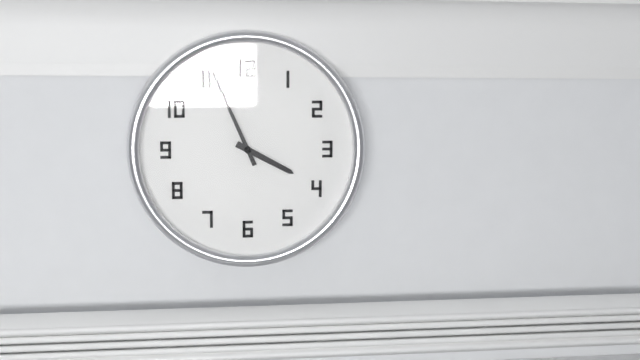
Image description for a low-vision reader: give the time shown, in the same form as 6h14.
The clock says 3h56
